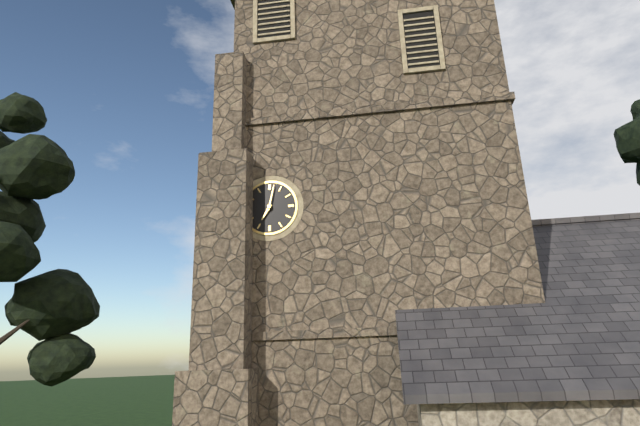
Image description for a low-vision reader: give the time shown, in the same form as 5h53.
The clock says 7h02
